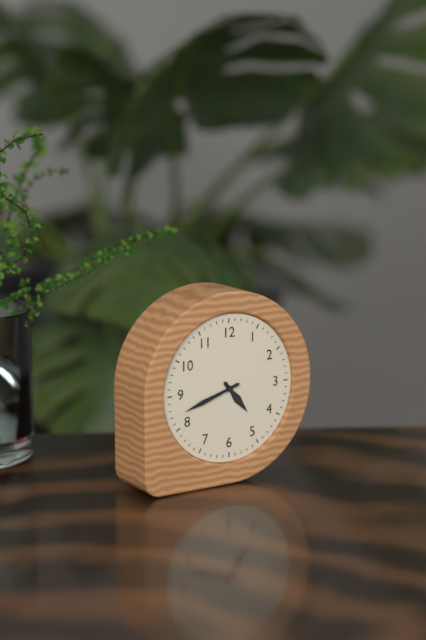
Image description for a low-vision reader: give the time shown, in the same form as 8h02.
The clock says 4h42
